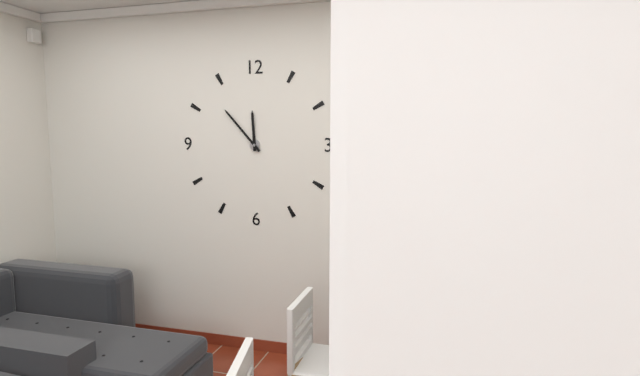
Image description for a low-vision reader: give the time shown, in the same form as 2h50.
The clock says 11h53
